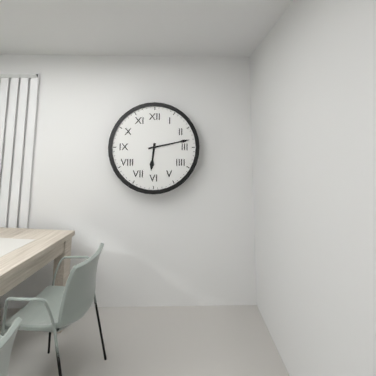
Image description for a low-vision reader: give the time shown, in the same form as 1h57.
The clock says 6h13
